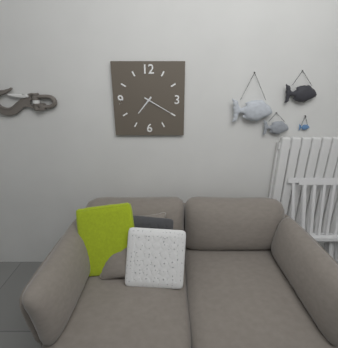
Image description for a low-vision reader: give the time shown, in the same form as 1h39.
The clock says 7h20
